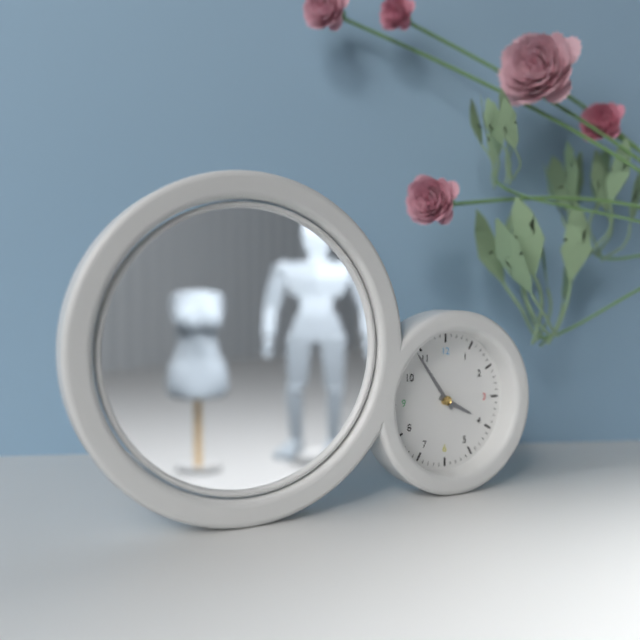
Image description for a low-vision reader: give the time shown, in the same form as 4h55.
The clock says 3h54
